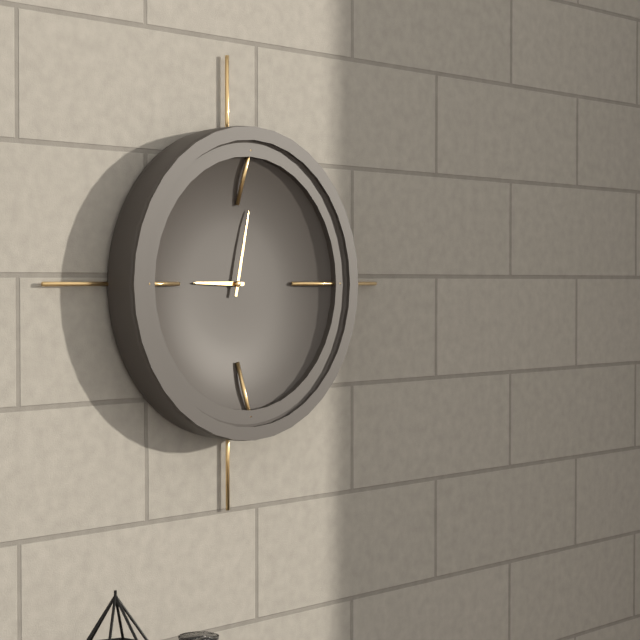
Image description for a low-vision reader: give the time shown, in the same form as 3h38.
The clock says 9h02
